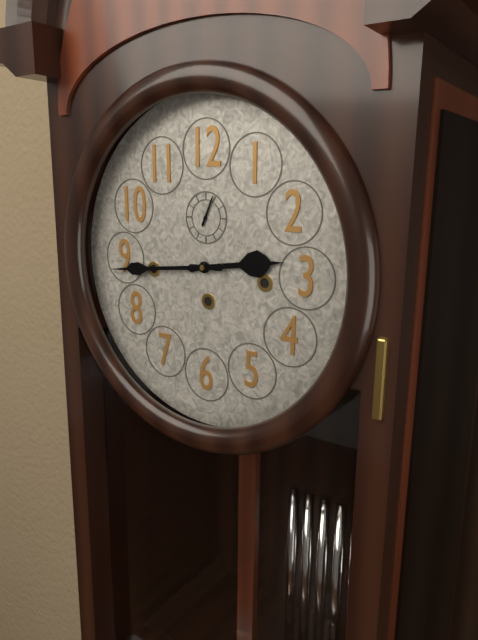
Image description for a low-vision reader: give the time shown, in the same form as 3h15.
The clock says 2h44
